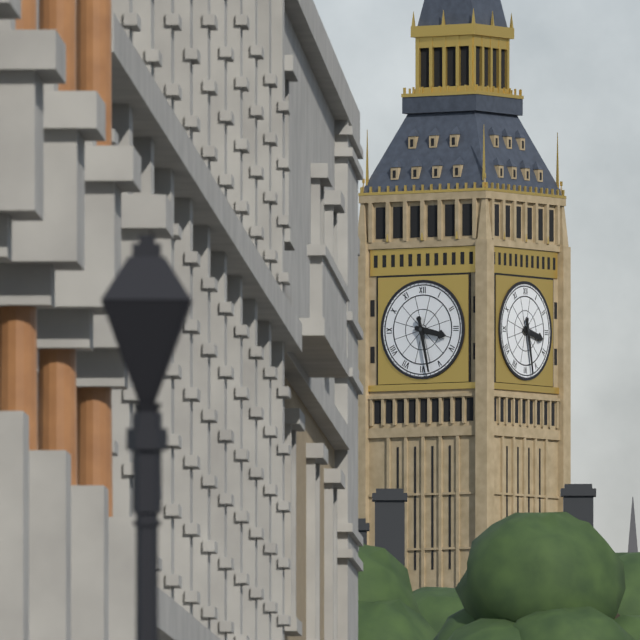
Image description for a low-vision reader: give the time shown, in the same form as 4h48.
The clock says 3h28
